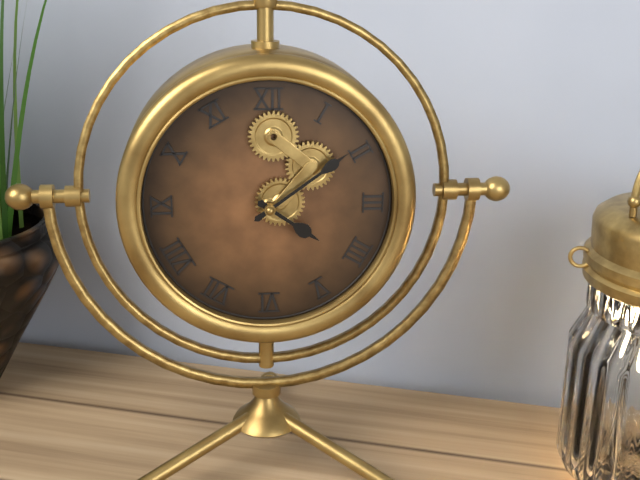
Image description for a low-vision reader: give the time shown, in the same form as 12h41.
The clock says 4h09
